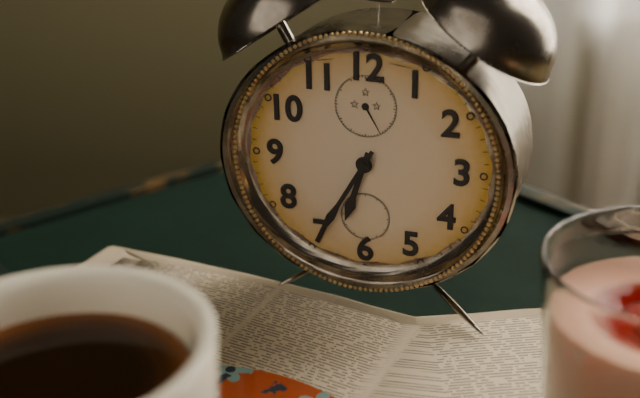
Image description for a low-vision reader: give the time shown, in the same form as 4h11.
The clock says 6h35
